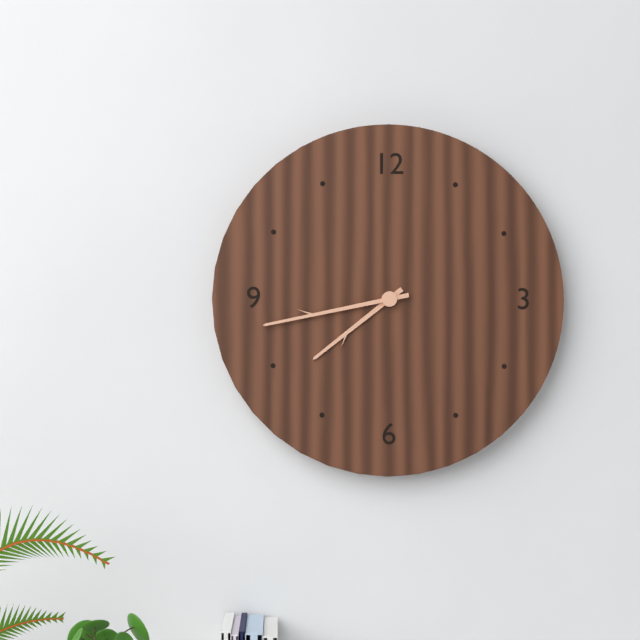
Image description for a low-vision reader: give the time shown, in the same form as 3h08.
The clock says 7h43
